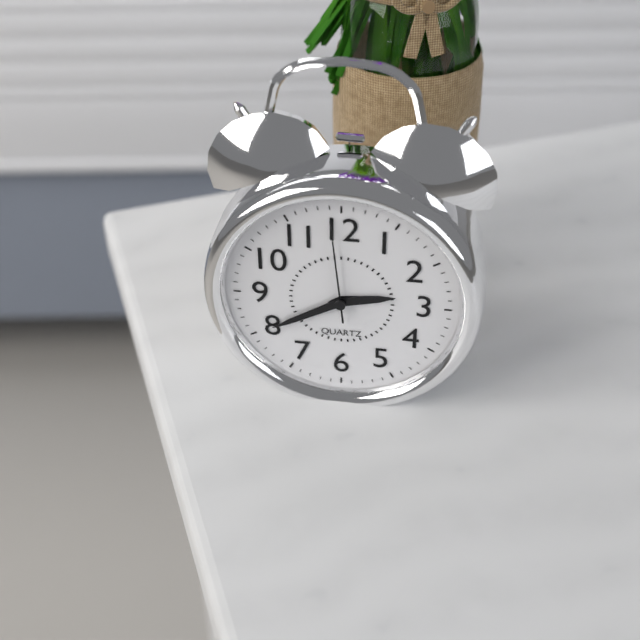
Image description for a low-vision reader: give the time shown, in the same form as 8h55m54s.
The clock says 2h40m59s
